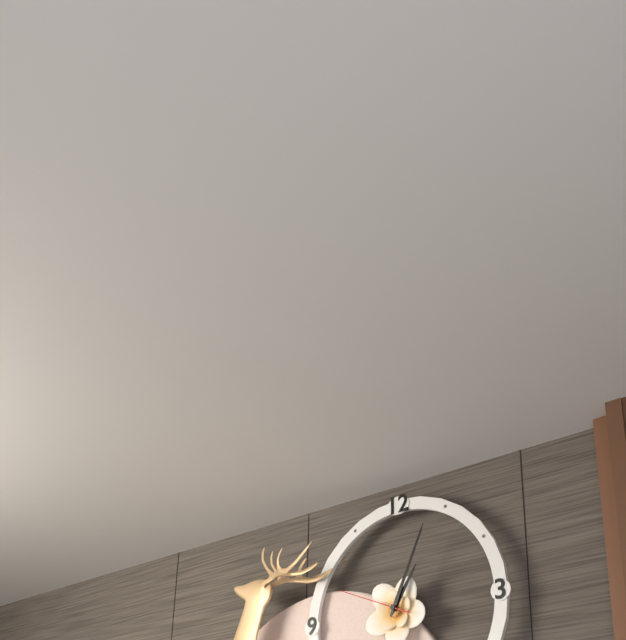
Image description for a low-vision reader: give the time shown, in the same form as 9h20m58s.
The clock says 1h04m49s
